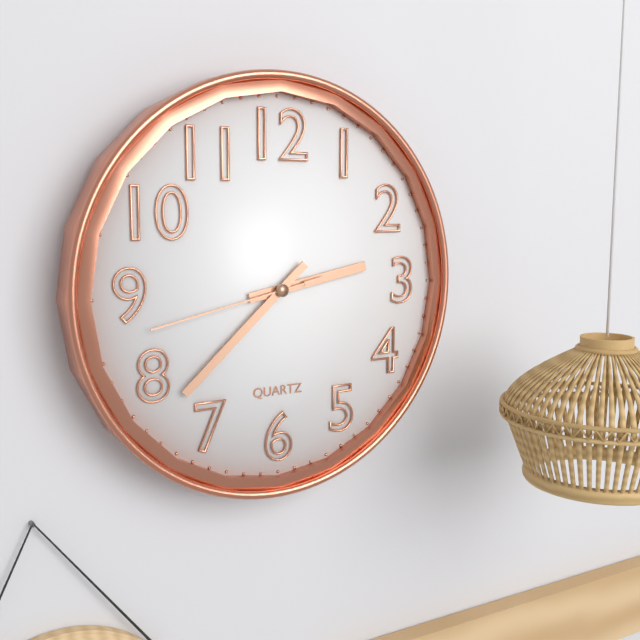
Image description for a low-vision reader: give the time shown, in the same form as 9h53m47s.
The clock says 2h38m43s
